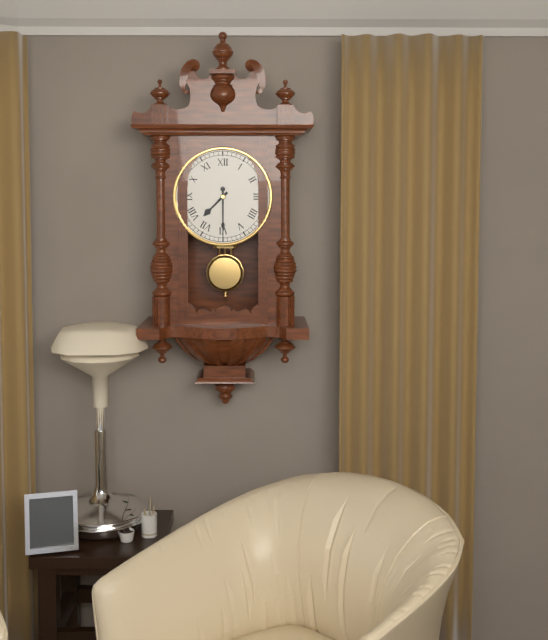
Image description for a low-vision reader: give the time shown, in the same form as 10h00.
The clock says 7h30
